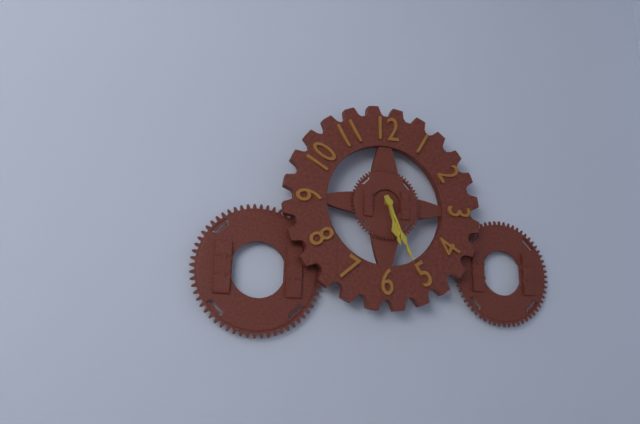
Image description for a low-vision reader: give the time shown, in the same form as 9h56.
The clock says 5h26
